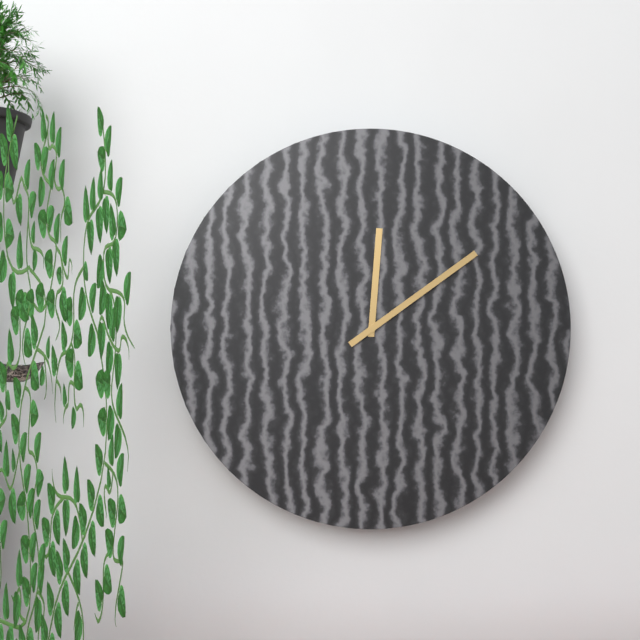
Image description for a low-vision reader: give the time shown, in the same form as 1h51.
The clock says 12h09
